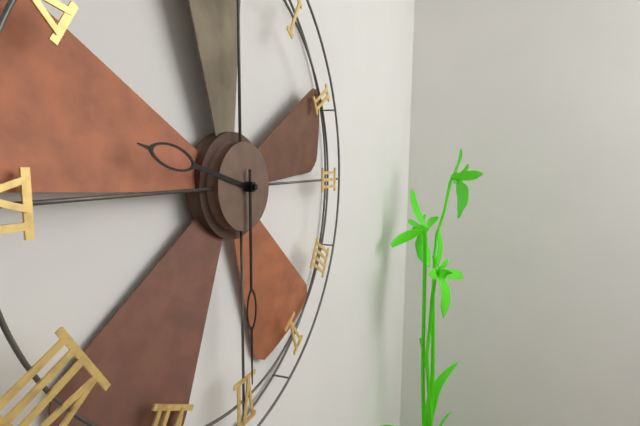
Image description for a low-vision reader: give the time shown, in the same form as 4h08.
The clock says 9h30
